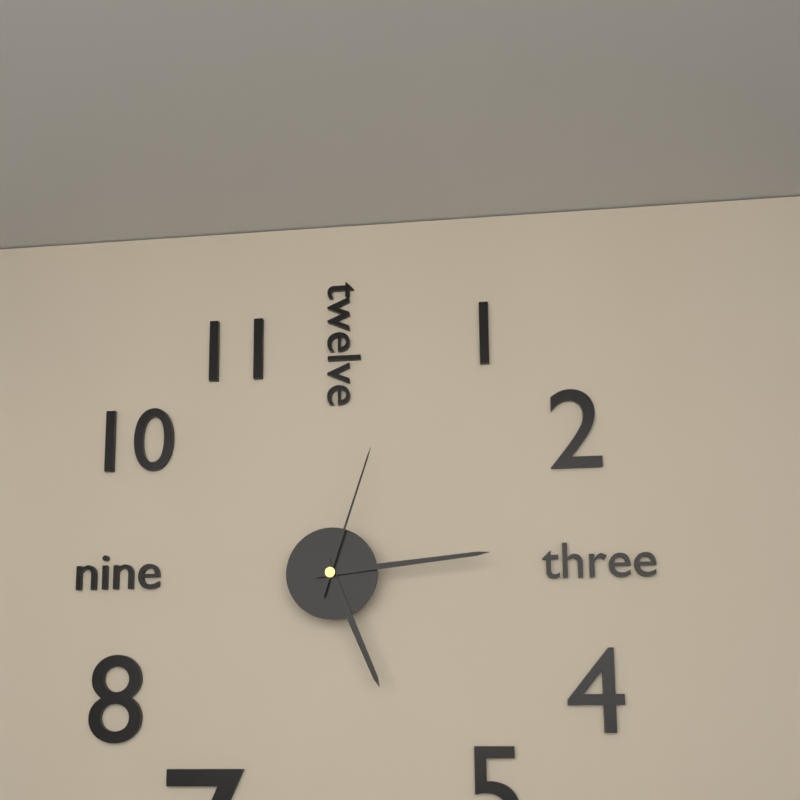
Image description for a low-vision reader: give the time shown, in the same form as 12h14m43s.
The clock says 5h14m03s
